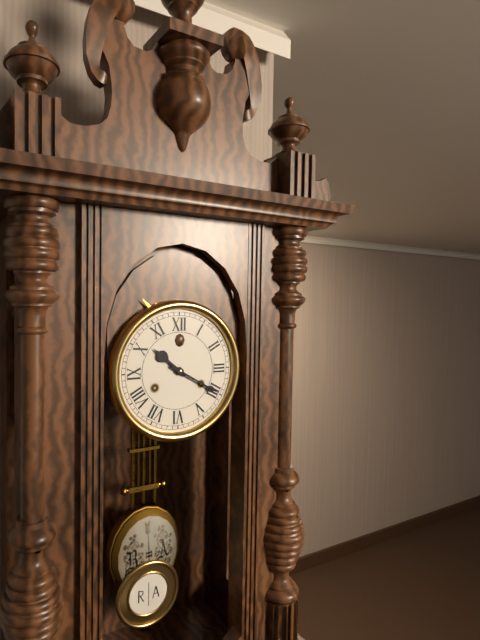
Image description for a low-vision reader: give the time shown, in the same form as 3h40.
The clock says 10h20
